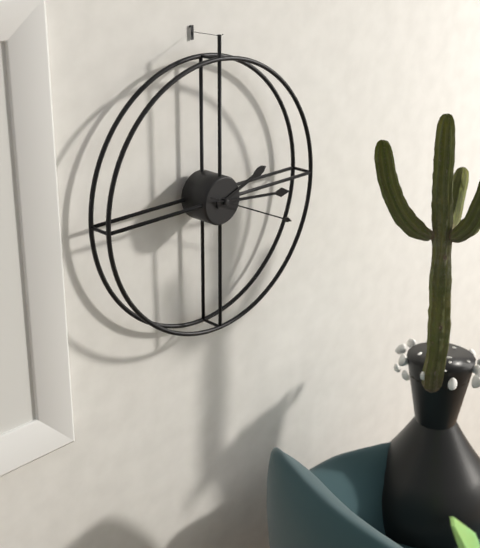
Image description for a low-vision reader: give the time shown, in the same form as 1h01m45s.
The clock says 2h16m19s
